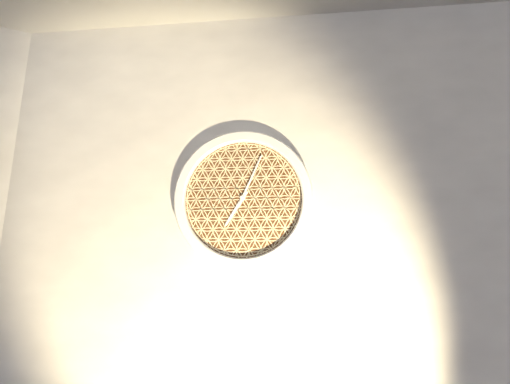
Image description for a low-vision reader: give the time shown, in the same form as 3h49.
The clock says 7h04
